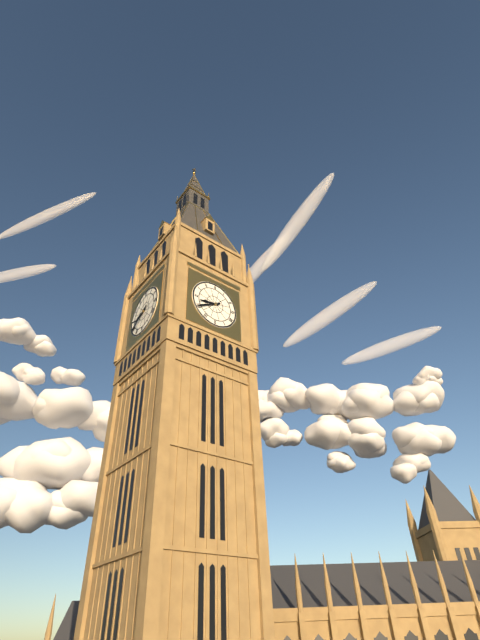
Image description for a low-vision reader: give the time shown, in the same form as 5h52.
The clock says 8h40
